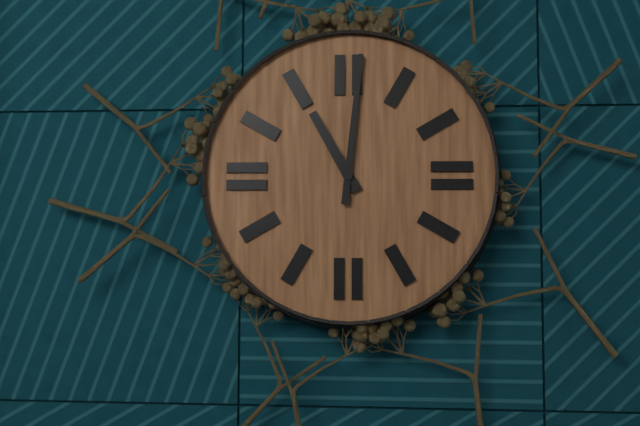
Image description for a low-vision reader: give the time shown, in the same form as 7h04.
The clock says 11h01
